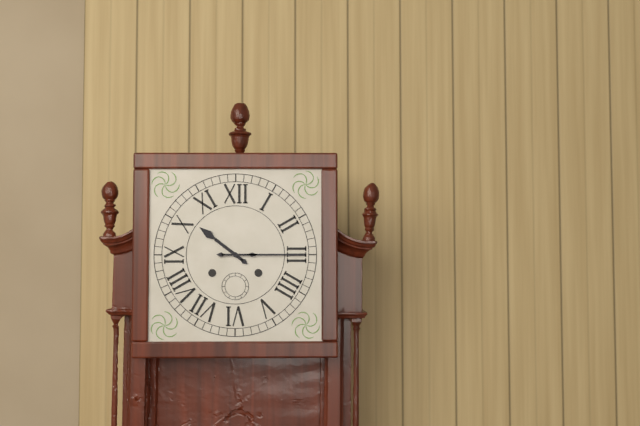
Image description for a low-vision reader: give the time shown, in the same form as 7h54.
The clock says 10h15
